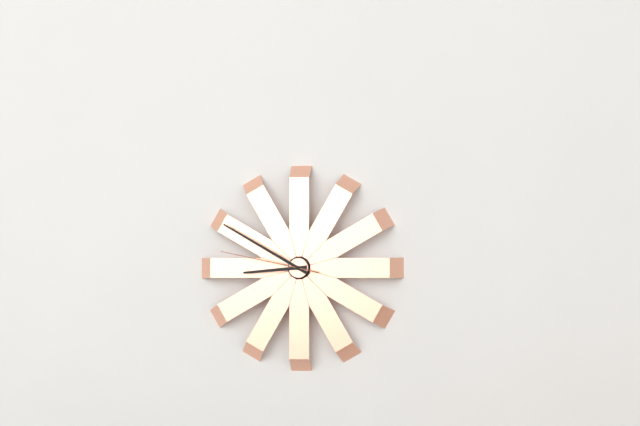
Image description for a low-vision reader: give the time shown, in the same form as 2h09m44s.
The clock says 8h50m47s
